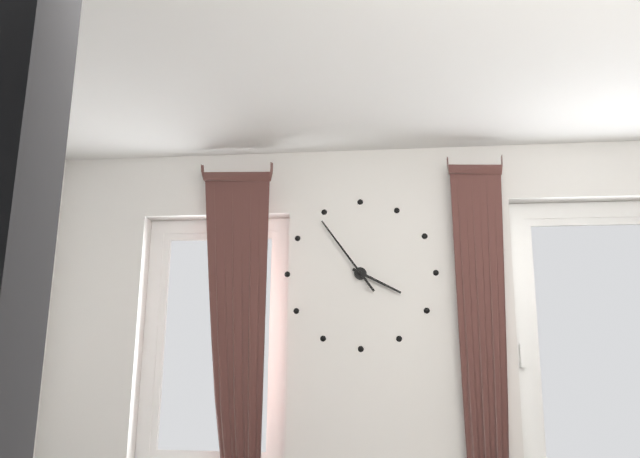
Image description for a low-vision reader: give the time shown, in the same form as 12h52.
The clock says 3h54
